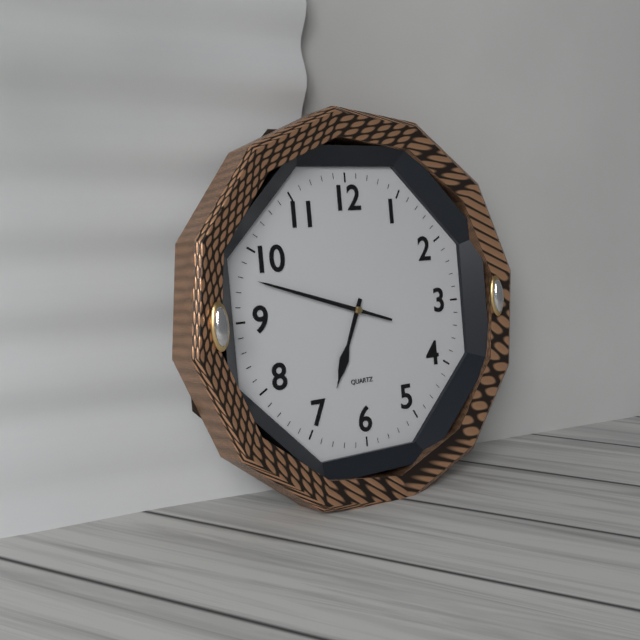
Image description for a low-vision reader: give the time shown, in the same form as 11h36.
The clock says 6h48
